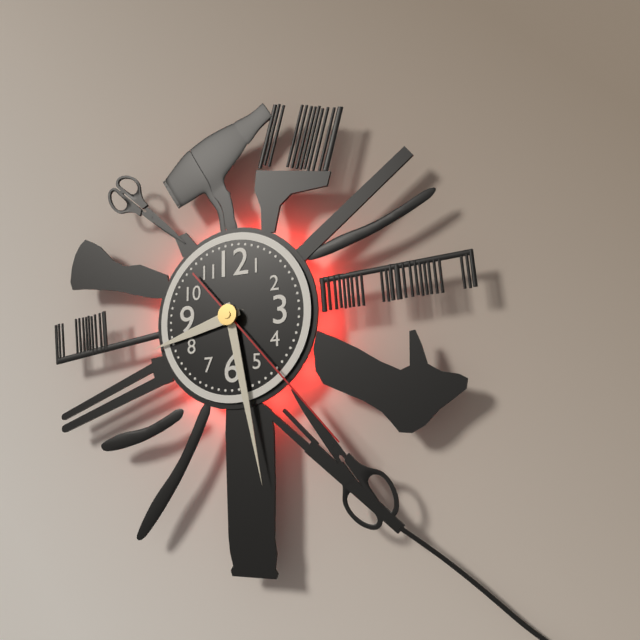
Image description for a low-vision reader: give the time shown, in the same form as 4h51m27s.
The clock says 8h28m23s
